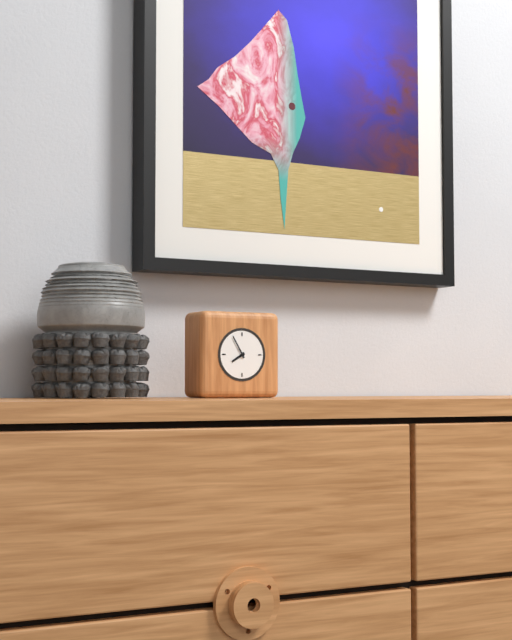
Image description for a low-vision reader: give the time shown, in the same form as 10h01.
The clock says 7h55
